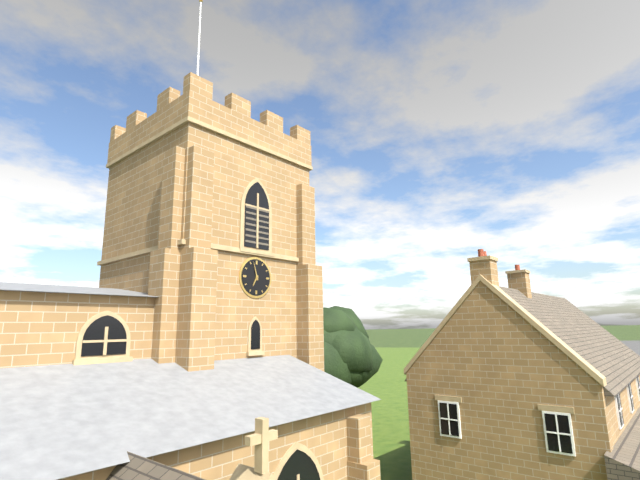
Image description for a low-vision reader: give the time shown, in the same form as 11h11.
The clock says 6h57
